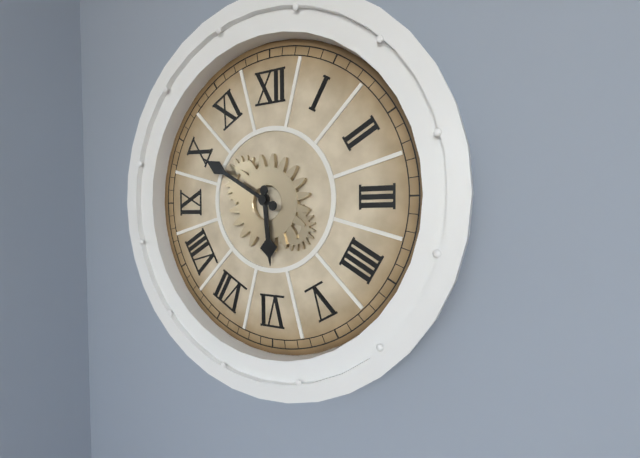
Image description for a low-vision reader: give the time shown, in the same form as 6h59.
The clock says 5h50
